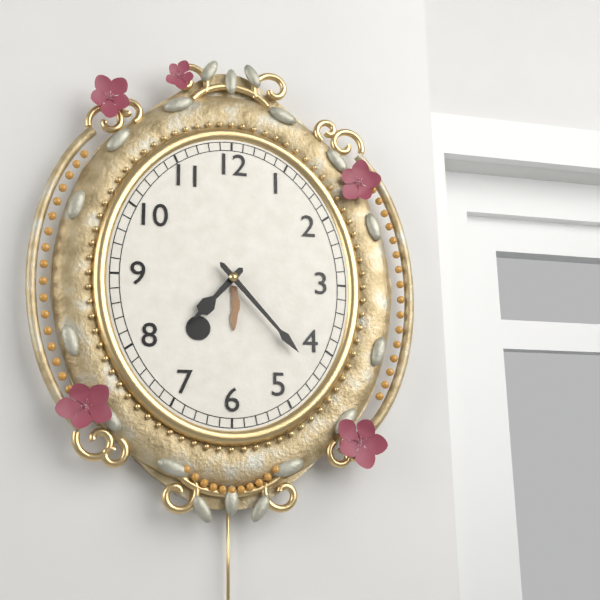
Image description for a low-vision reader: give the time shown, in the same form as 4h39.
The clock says 7h23
